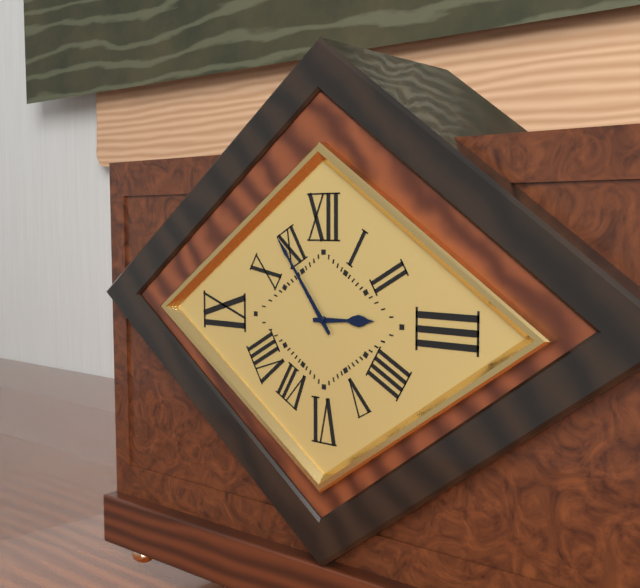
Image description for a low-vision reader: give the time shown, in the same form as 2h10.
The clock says 2h54
